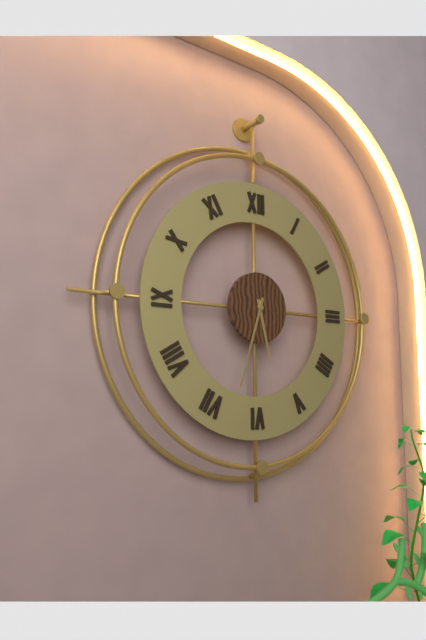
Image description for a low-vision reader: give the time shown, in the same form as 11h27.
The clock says 5h33
